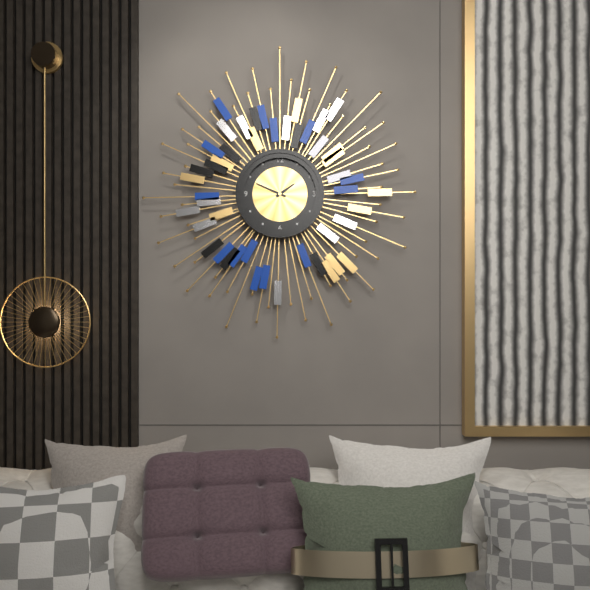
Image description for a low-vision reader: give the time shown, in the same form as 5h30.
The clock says 1h49
